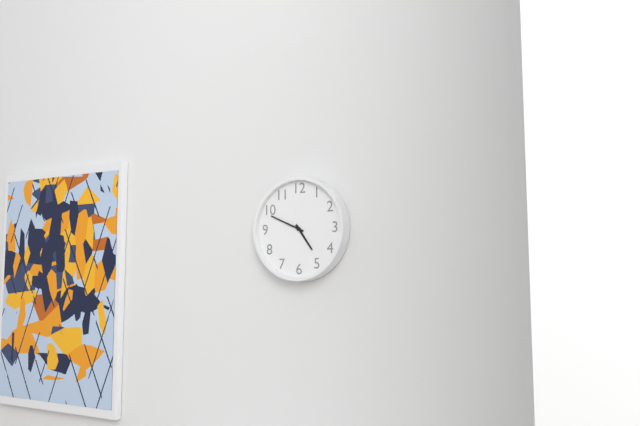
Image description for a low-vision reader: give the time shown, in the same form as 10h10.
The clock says 4h49
